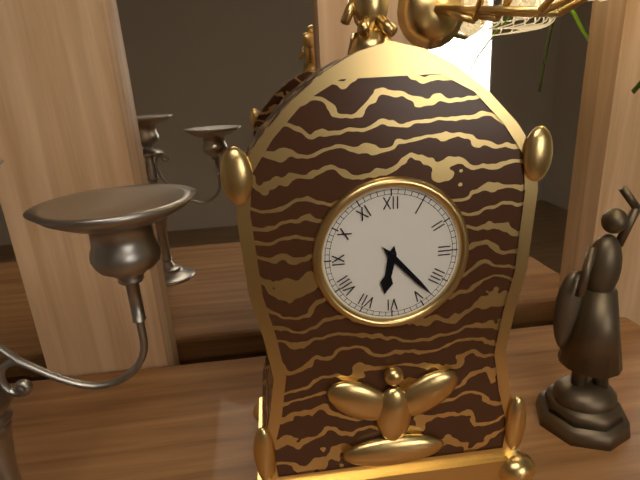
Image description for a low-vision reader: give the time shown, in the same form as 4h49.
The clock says 6h23
